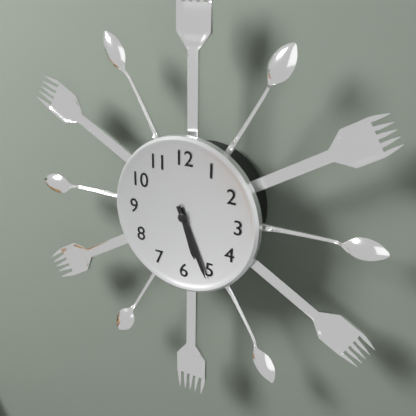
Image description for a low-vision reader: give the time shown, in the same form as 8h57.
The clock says 5h26
